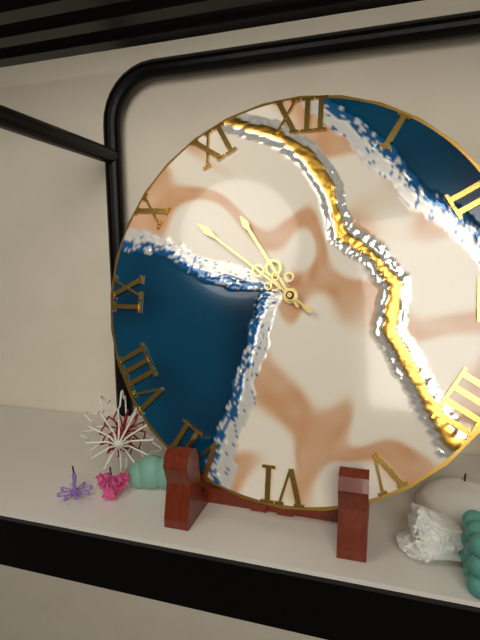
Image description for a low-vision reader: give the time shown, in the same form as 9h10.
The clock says 10h51
